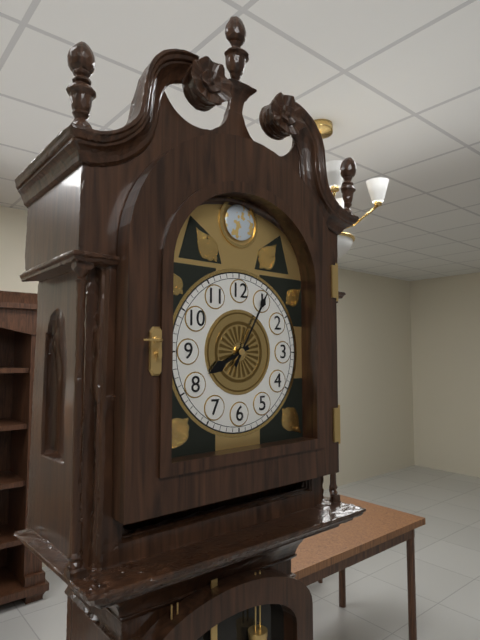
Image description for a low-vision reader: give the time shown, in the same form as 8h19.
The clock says 8h05
